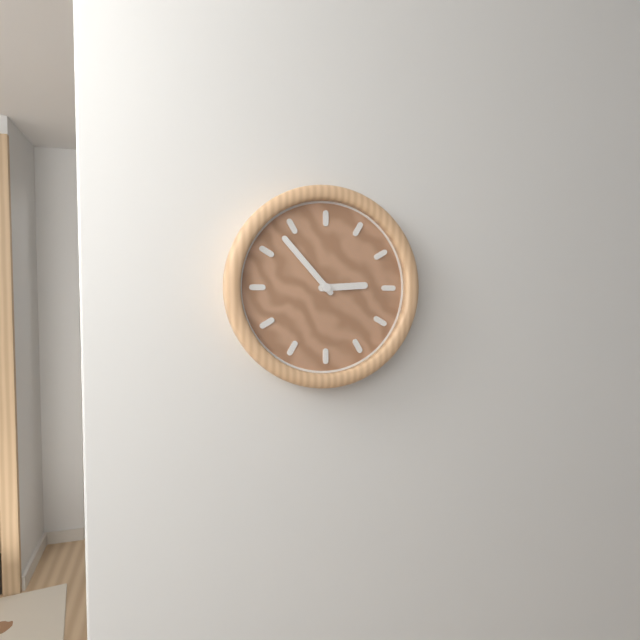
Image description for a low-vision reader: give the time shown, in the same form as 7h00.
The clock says 2h53
